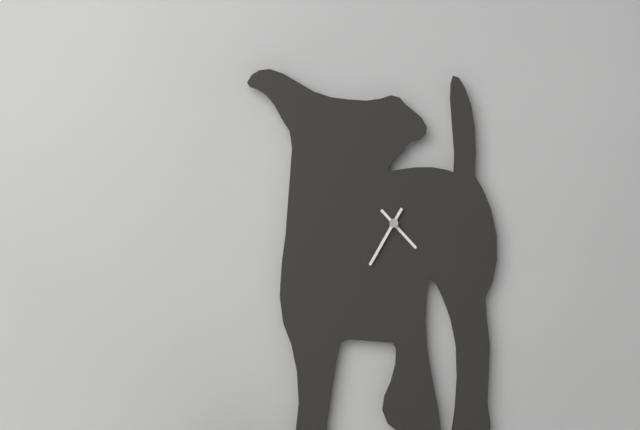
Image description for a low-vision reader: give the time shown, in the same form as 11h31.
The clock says 4h35
